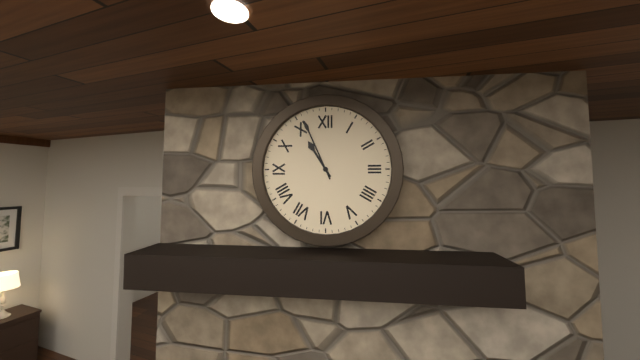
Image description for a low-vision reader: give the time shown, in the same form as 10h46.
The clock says 10h56
